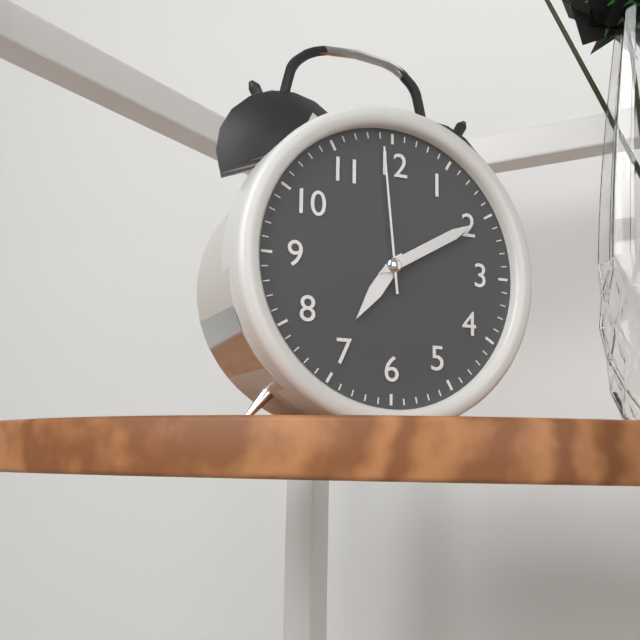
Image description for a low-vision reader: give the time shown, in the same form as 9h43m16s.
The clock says 7h10m59s
